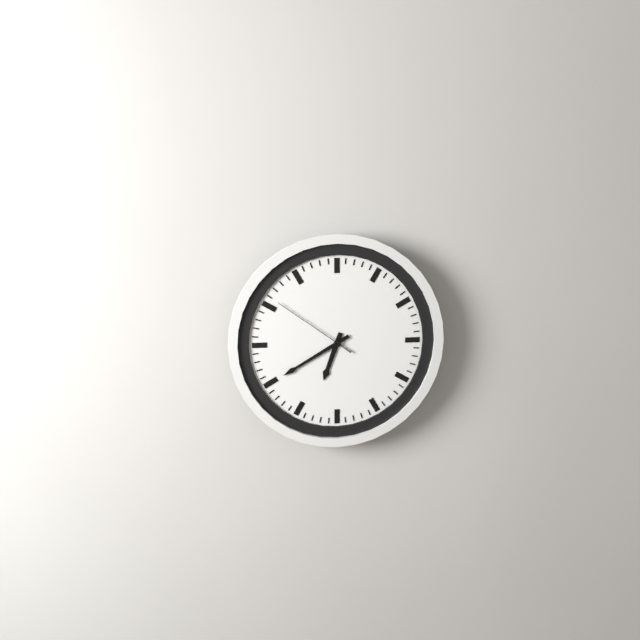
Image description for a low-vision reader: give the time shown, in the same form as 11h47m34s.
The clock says 6h40m51s
